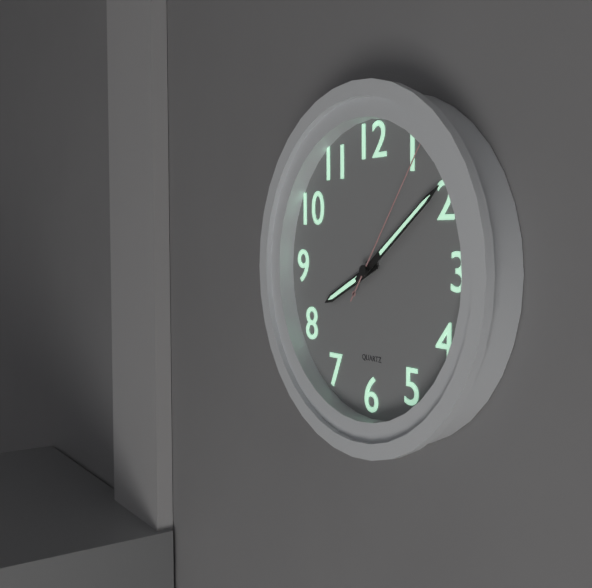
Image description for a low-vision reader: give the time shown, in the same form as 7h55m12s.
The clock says 8h09m06s
